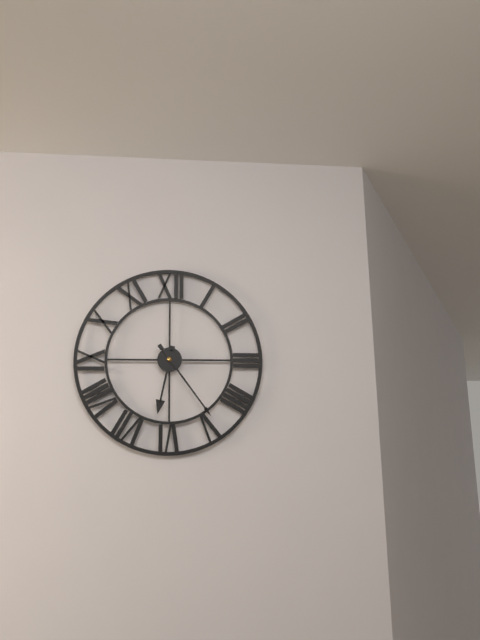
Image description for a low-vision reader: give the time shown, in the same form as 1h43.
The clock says 6h24
